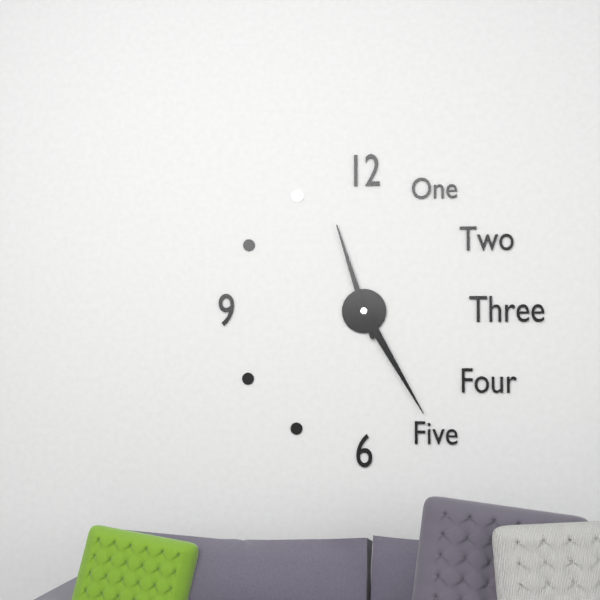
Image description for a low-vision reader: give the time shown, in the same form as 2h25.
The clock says 11h25
